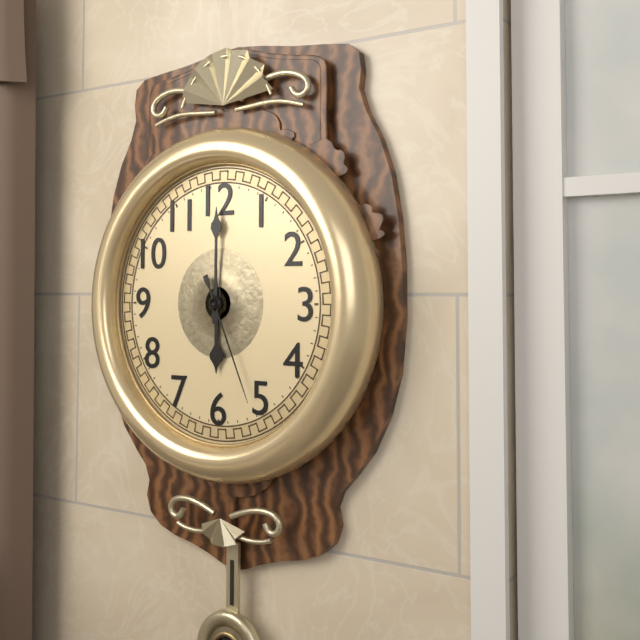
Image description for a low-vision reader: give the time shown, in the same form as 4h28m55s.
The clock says 6h00m26s
